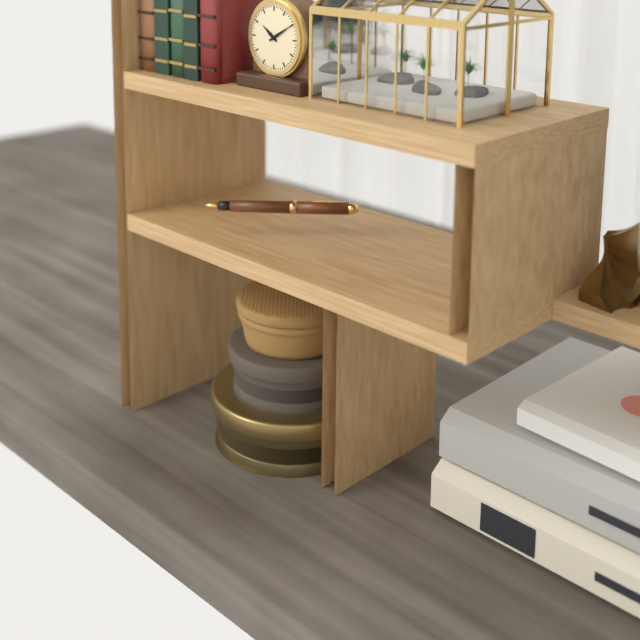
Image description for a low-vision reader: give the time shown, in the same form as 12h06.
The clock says 10h10
